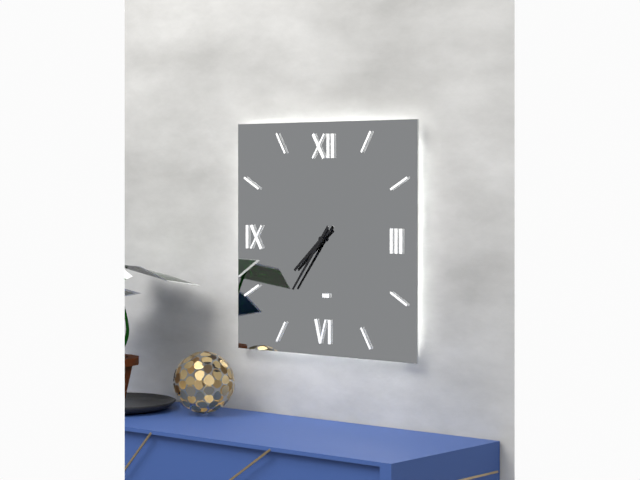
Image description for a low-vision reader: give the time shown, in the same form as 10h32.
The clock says 7h36
